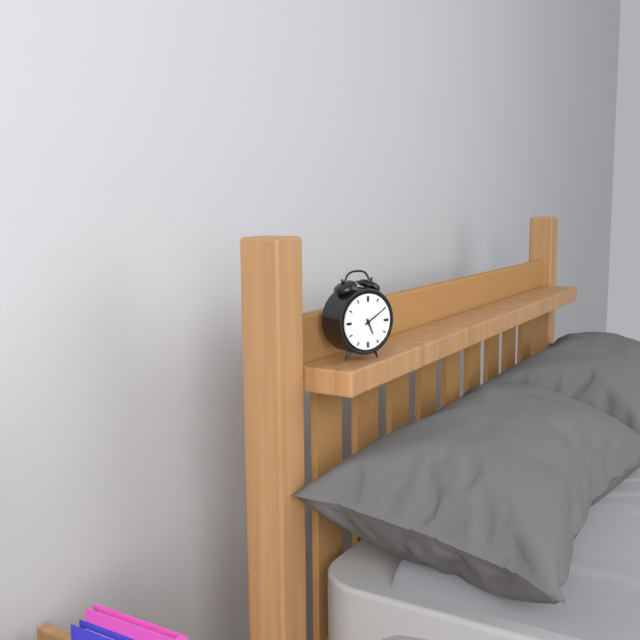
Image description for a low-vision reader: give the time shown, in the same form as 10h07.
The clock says 5h10
